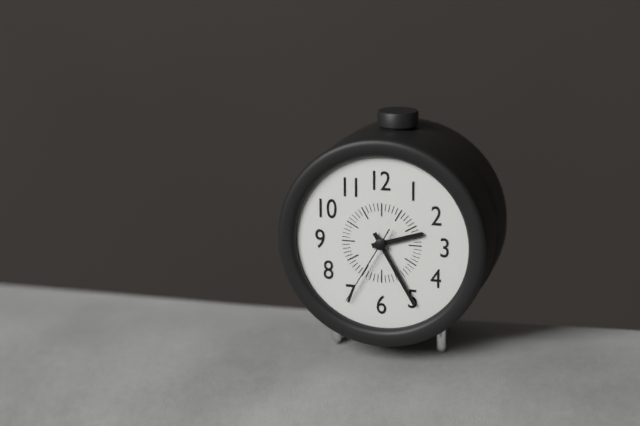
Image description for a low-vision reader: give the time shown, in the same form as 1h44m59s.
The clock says 2h25m35s
